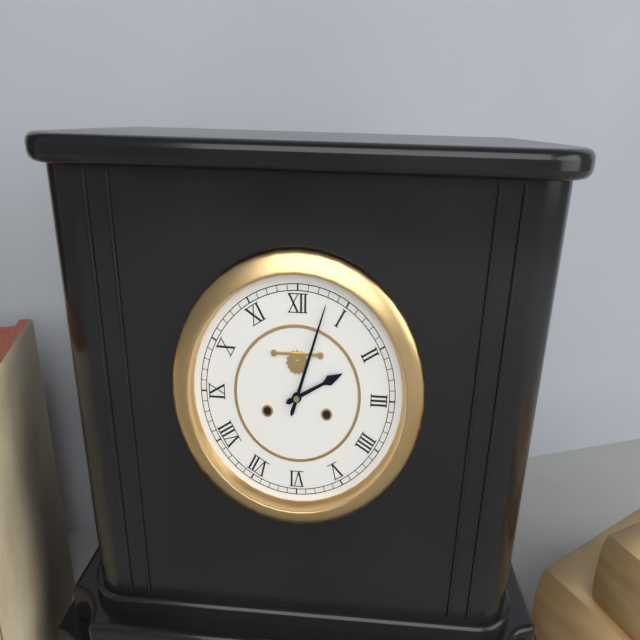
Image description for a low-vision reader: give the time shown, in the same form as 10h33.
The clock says 2h03
